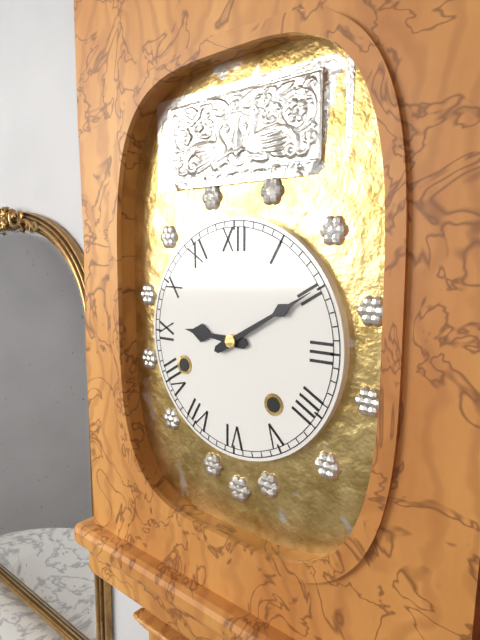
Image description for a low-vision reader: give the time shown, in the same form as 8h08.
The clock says 9h10
